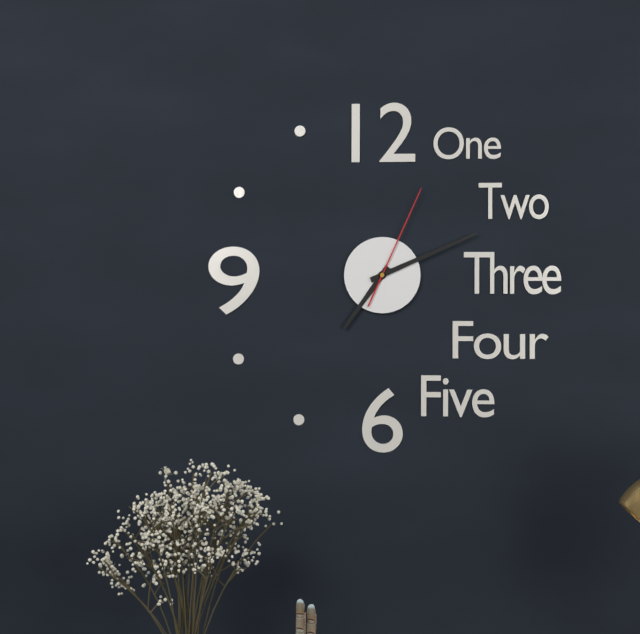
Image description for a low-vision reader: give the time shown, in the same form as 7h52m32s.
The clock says 7h11m04s
